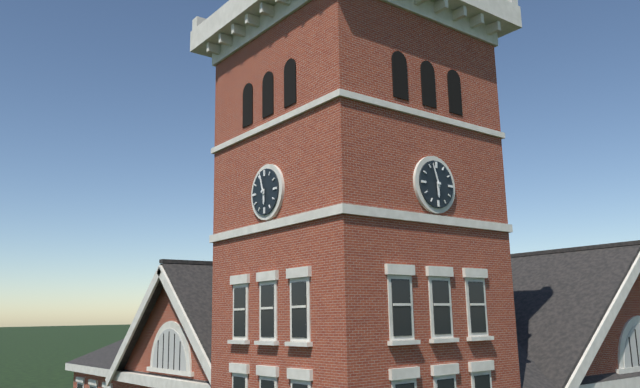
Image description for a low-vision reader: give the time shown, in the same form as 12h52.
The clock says 5h57
